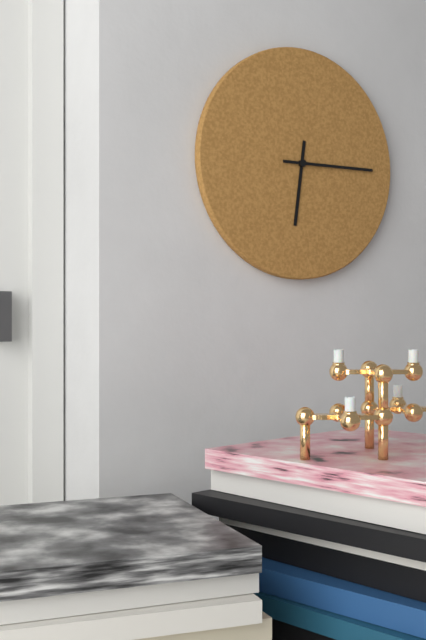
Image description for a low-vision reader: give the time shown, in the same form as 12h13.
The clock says 6h15
